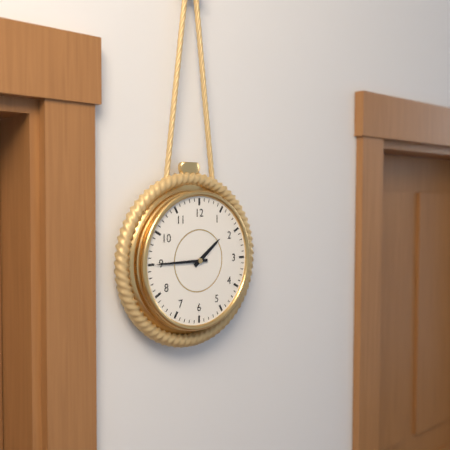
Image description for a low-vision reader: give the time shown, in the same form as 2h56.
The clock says 1h45
